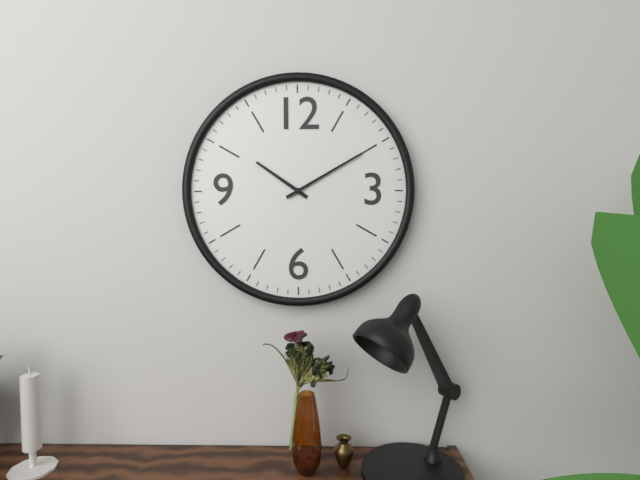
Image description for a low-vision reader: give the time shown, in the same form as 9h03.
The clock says 10h10
